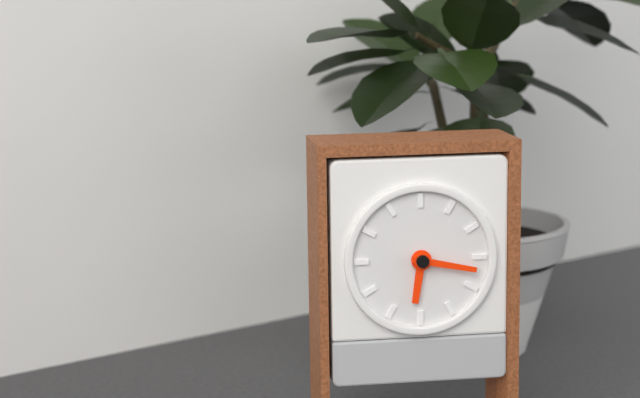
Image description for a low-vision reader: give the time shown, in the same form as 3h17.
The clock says 6h17
